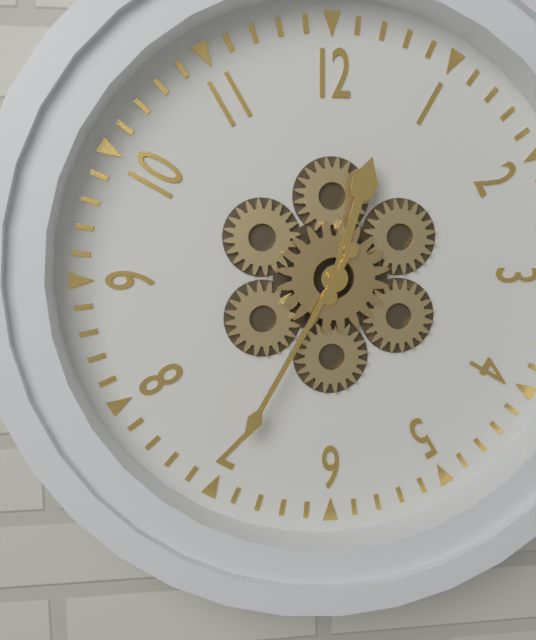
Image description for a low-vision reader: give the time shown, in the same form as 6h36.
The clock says 12h35
